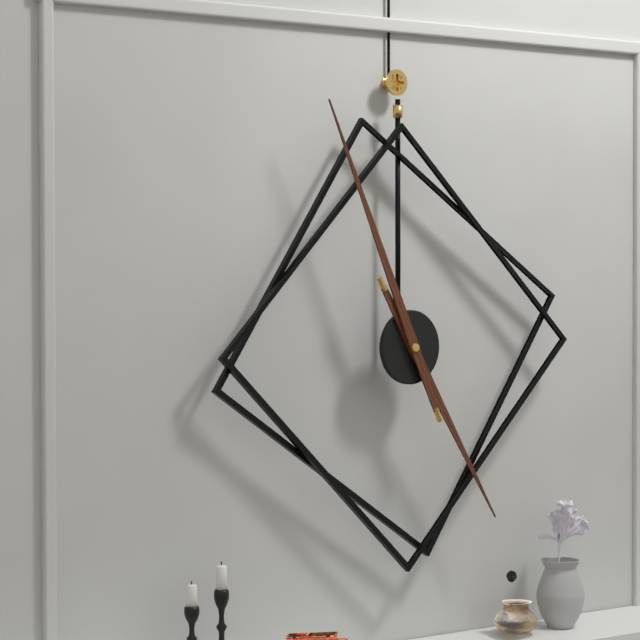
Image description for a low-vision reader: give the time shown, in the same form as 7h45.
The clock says 4h56
